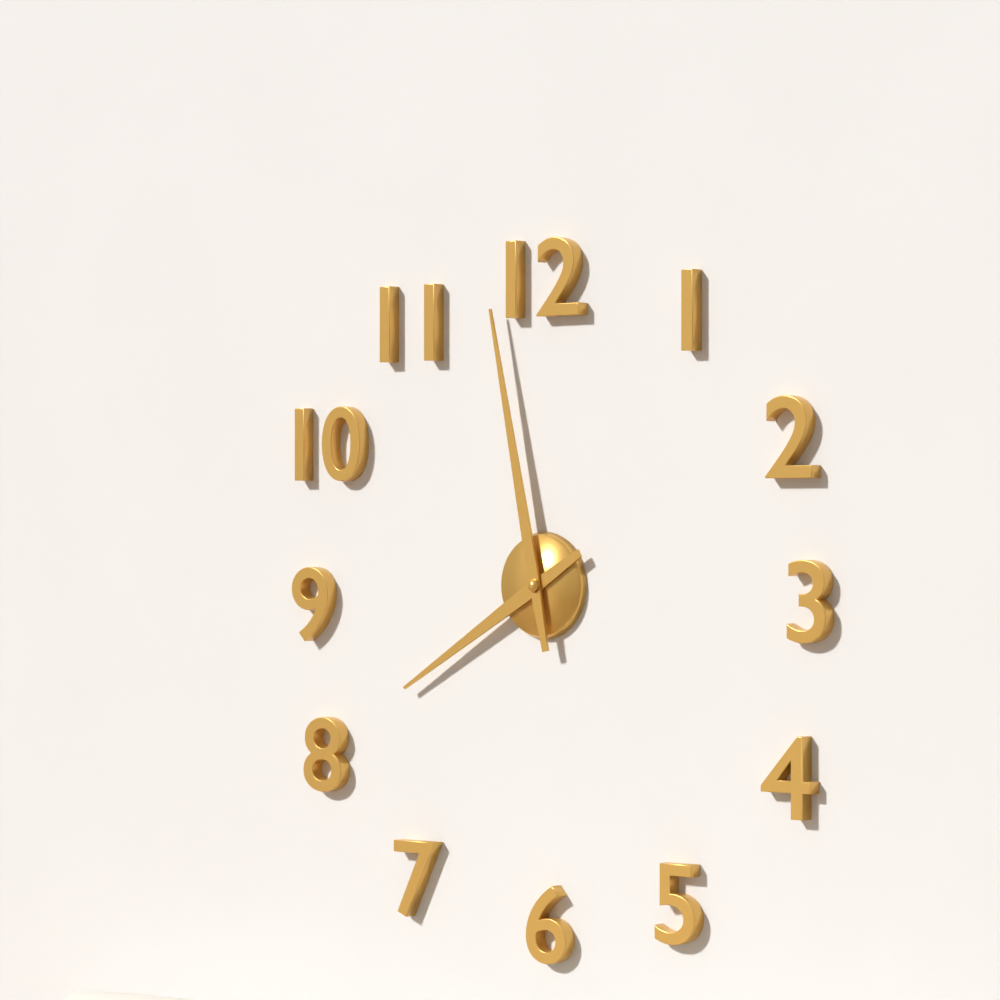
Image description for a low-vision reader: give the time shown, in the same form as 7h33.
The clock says 7h58
